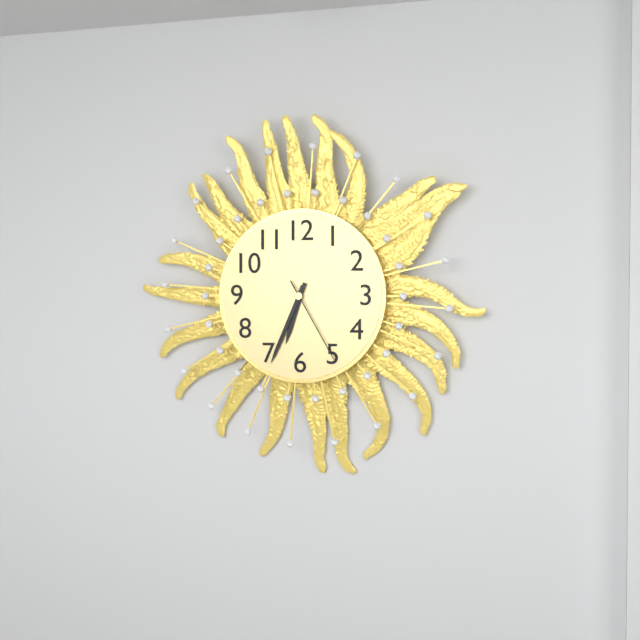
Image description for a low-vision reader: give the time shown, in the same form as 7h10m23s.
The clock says 6h34m25s
